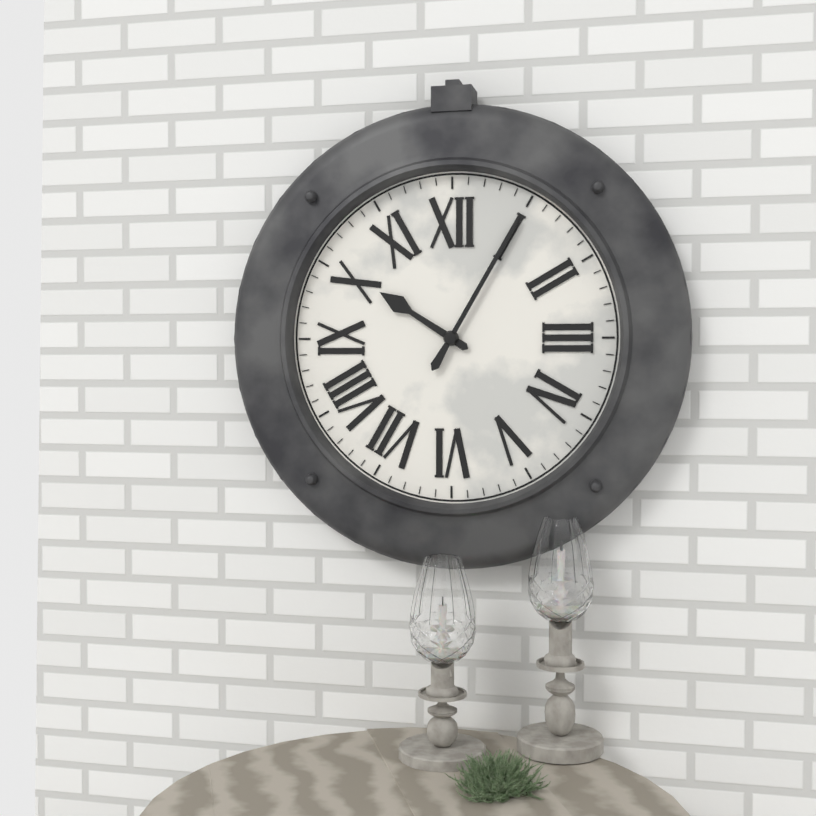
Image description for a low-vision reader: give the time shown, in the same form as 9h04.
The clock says 10h05
